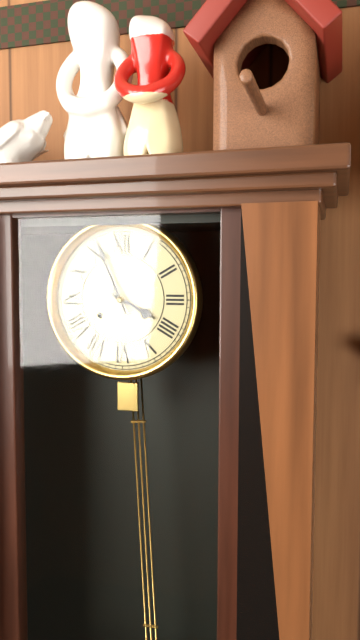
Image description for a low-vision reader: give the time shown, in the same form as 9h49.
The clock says 3h56
